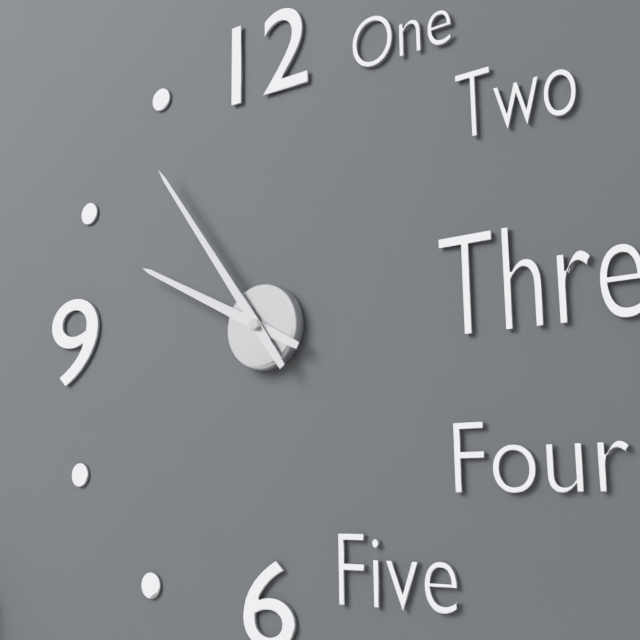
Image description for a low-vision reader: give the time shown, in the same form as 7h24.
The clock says 9h54
